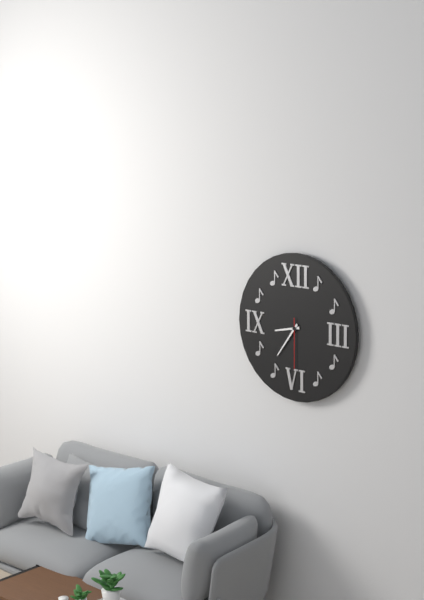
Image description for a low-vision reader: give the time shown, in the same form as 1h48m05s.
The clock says 8h36m30s
